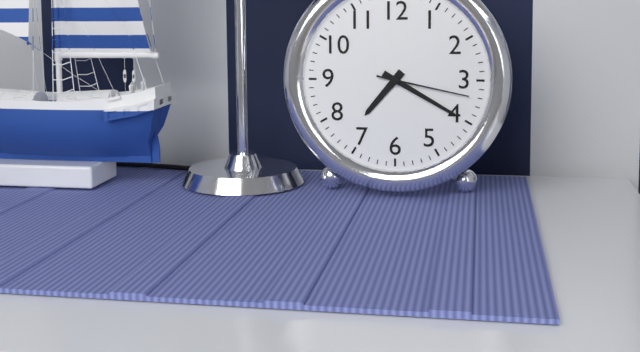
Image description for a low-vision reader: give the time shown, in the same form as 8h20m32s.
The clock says 7h20m17s
